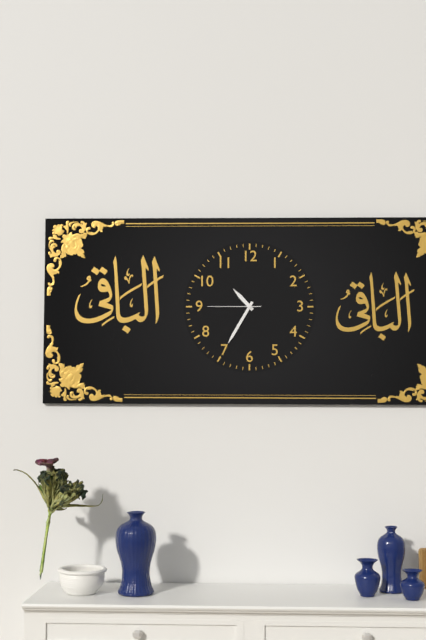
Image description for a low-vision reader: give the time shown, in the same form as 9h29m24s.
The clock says 10h35m45s
